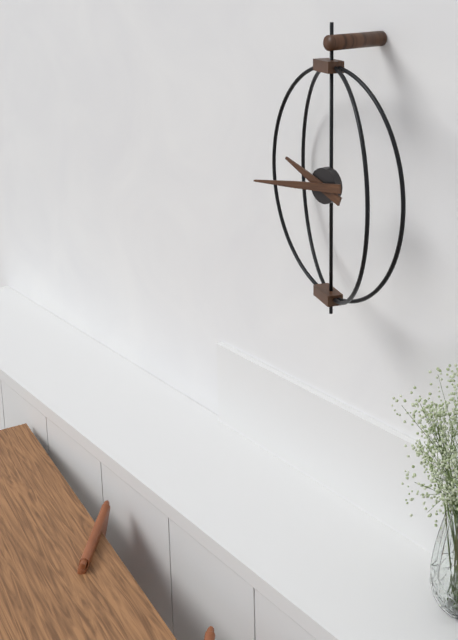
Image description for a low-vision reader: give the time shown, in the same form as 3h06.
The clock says 9h44
